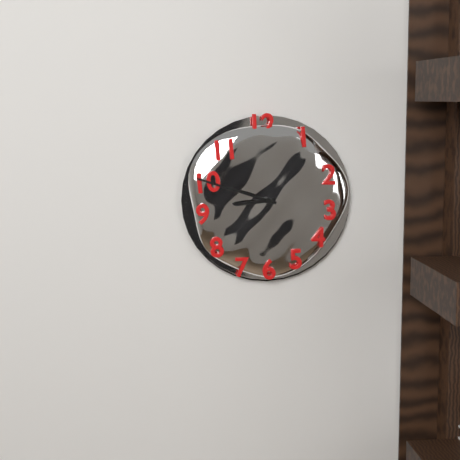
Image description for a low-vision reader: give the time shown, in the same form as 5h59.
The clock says 8h48
